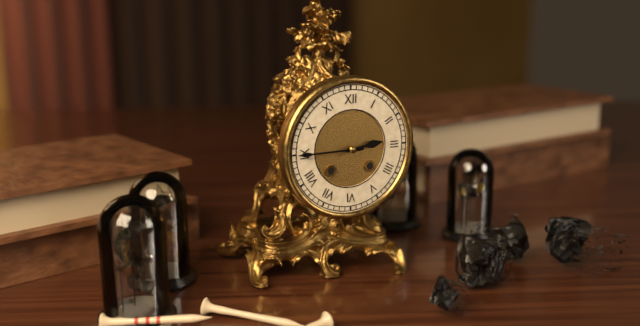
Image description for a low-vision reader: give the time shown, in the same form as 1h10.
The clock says 2h45
